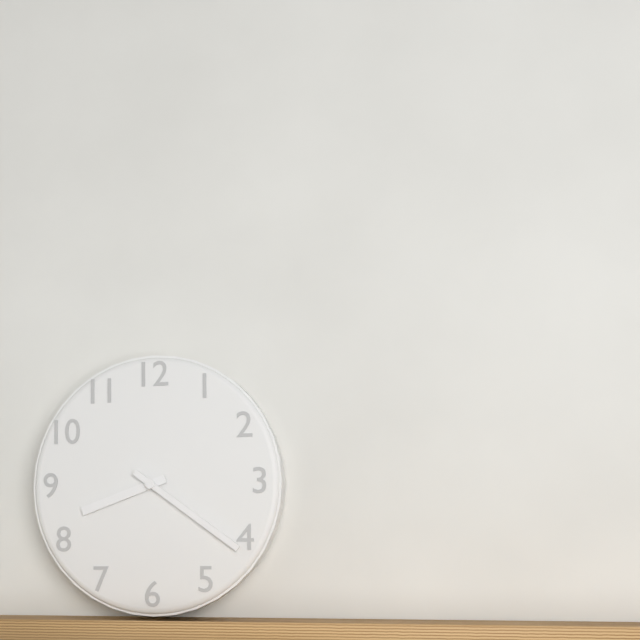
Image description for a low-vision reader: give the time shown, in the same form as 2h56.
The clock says 8h21
